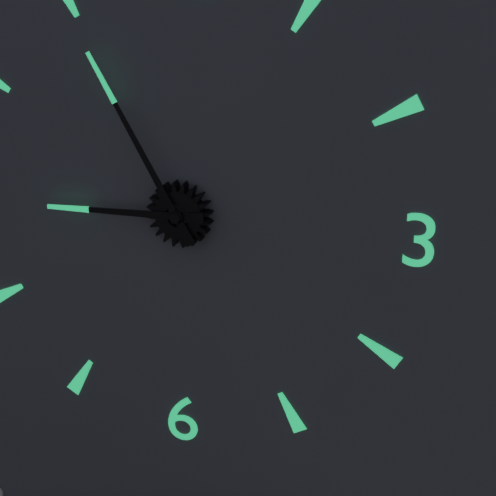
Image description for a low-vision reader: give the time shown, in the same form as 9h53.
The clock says 8h55
